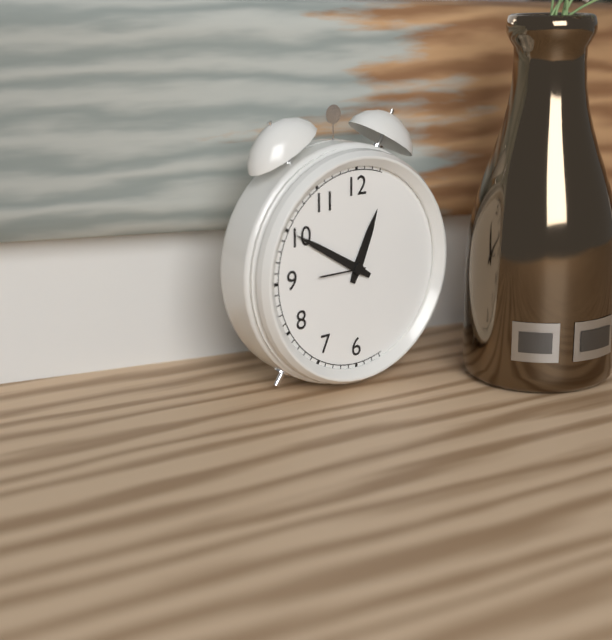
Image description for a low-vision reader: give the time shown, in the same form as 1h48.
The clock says 12h50
